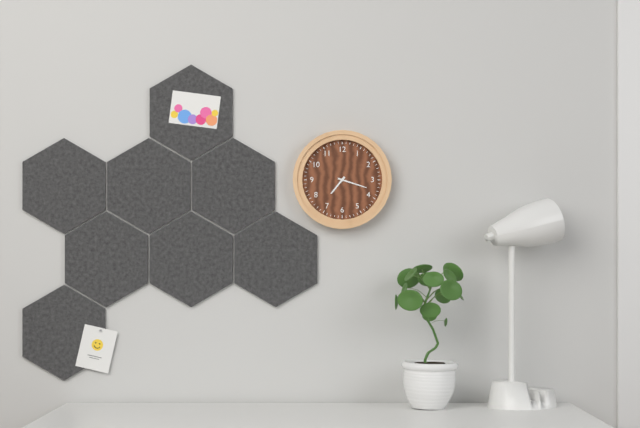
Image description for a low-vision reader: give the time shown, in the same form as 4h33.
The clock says 7h18
